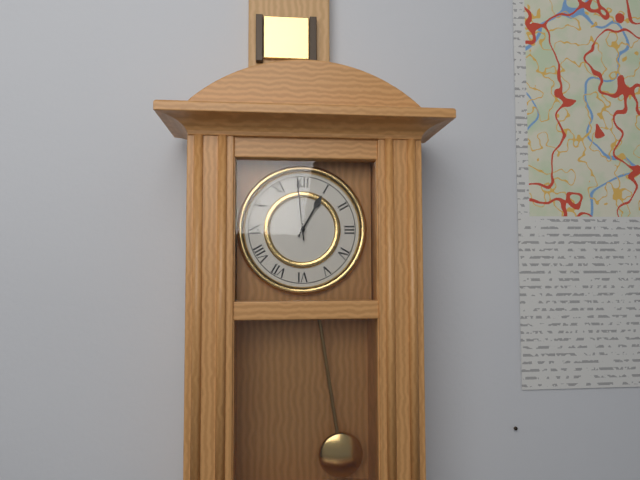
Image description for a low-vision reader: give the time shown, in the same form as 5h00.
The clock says 12h59
